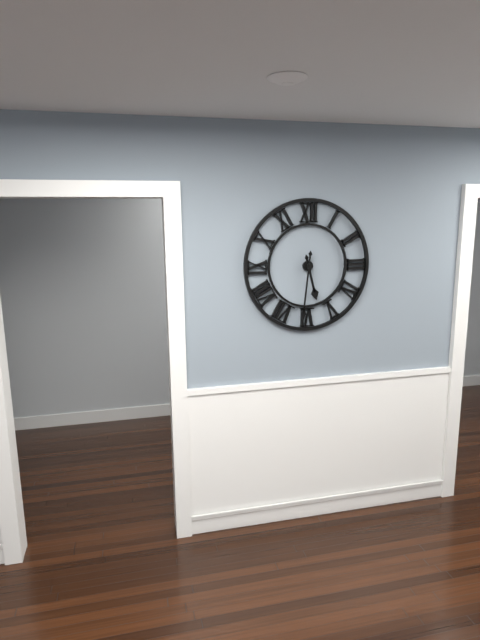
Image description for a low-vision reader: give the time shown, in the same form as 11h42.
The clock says 5h31
